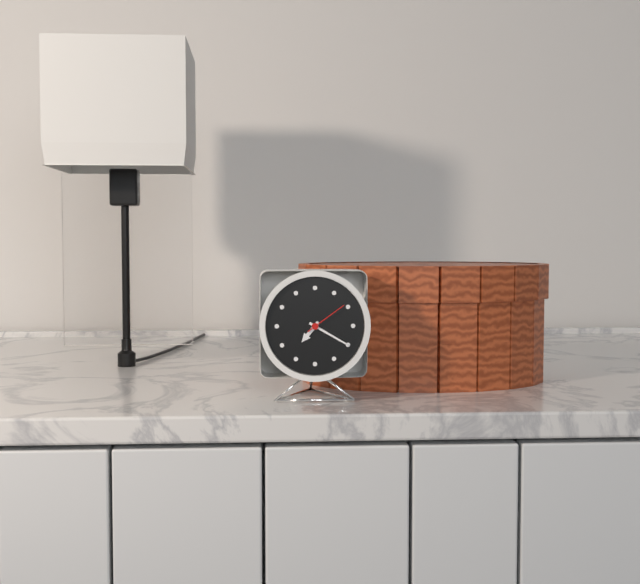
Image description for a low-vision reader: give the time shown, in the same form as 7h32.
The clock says 7h20
